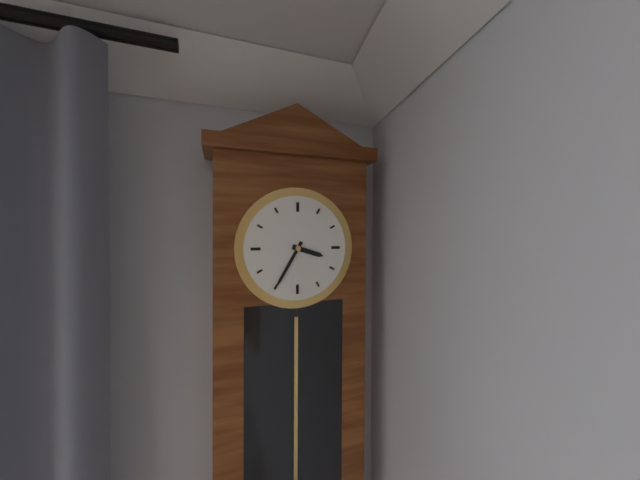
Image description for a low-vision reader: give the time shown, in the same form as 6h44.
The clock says 3h35
